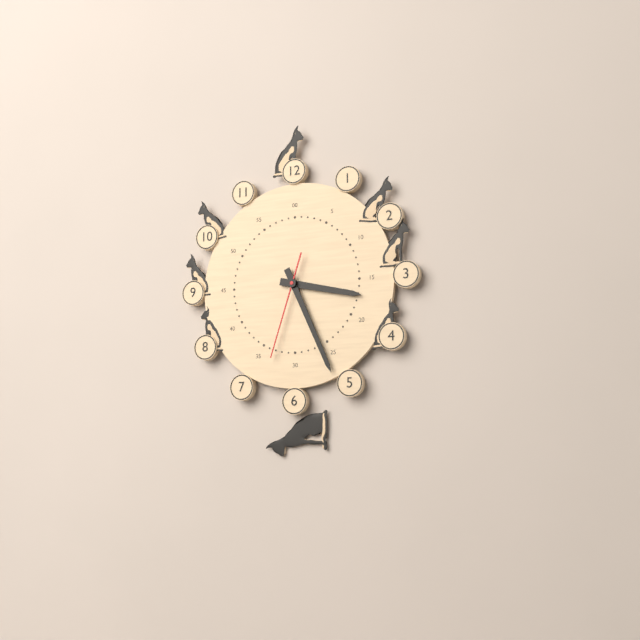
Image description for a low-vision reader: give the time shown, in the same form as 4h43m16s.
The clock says 3h26m33s
